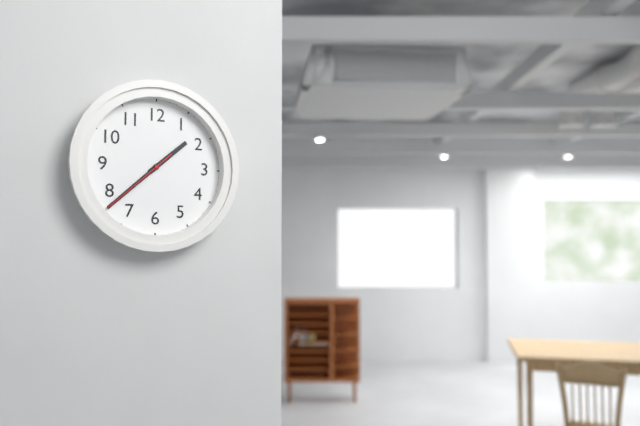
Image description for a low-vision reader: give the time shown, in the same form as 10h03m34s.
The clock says 1h38m38s
